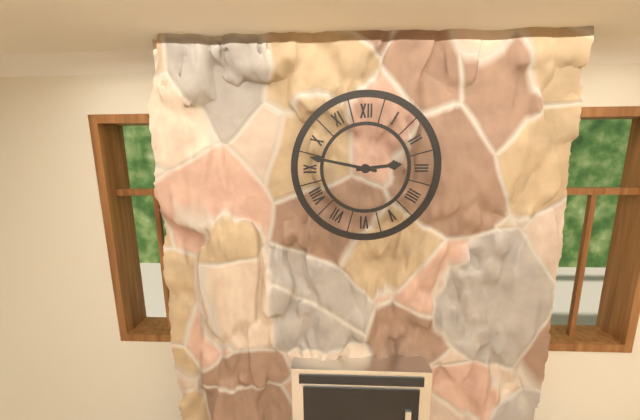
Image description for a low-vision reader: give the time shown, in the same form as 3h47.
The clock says 2h47
